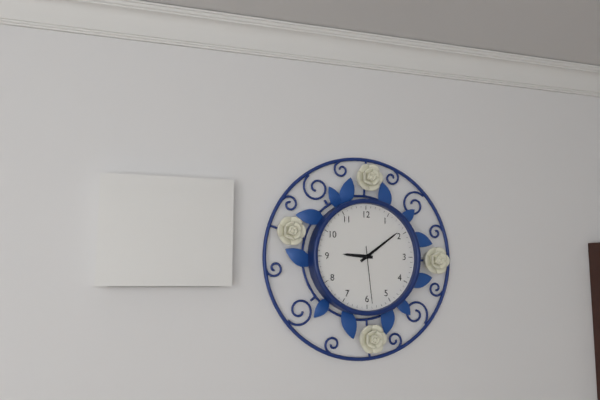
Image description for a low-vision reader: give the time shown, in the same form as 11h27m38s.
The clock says 9h09m29s
